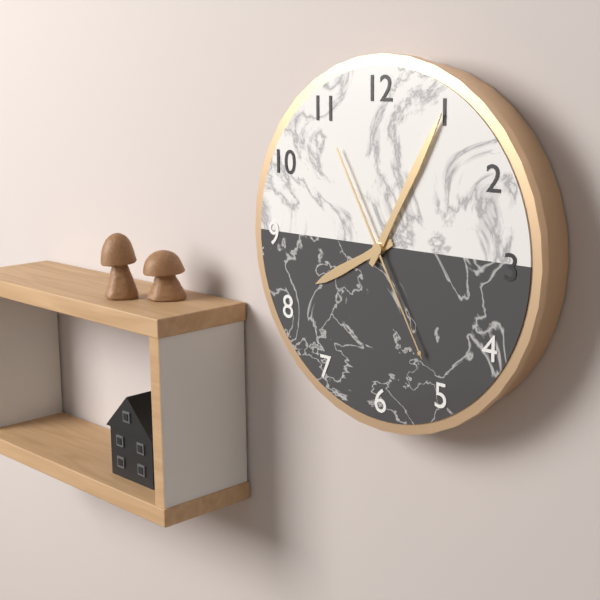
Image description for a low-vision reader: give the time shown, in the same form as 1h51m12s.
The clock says 8h05m25s
